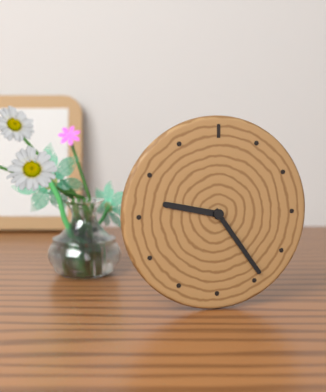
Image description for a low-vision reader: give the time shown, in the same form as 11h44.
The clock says 9h24
